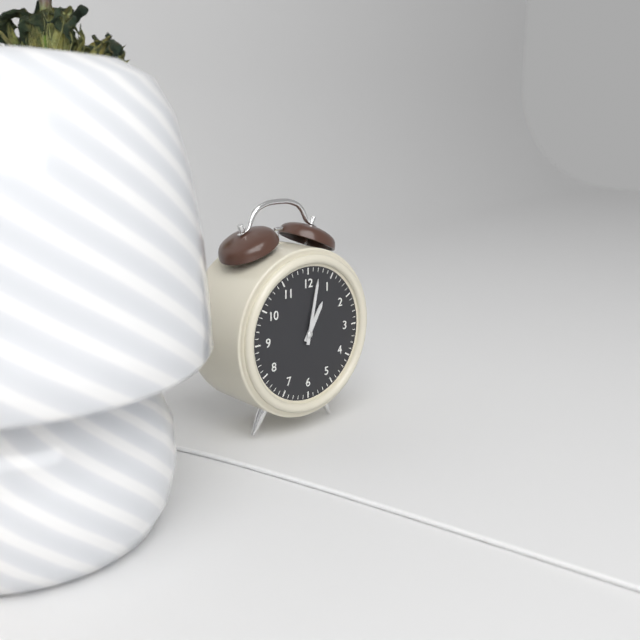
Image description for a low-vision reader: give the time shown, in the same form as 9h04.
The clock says 1h02
